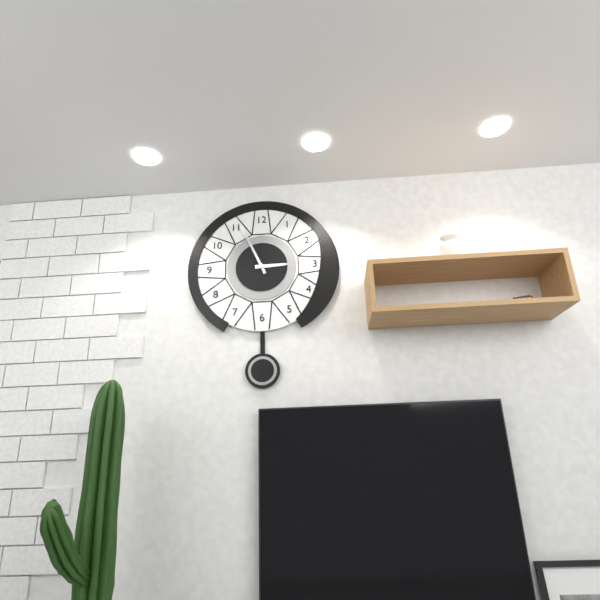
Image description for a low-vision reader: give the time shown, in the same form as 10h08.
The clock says 2h56
